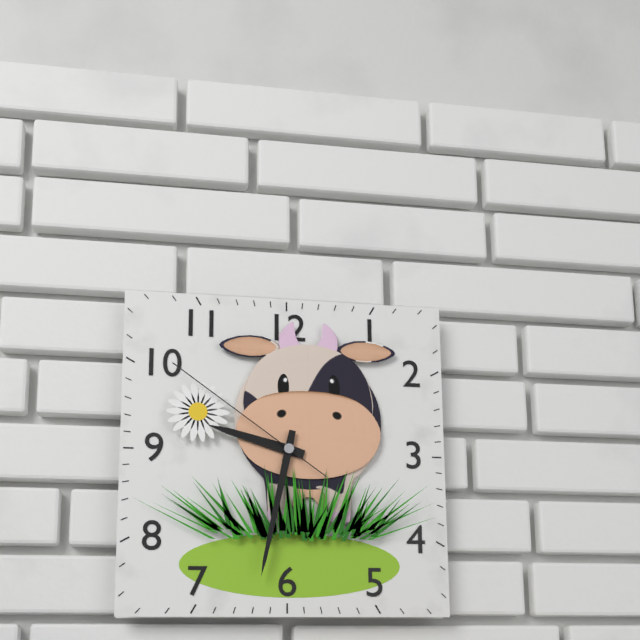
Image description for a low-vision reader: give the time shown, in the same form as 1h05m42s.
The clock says 9h32m51s
